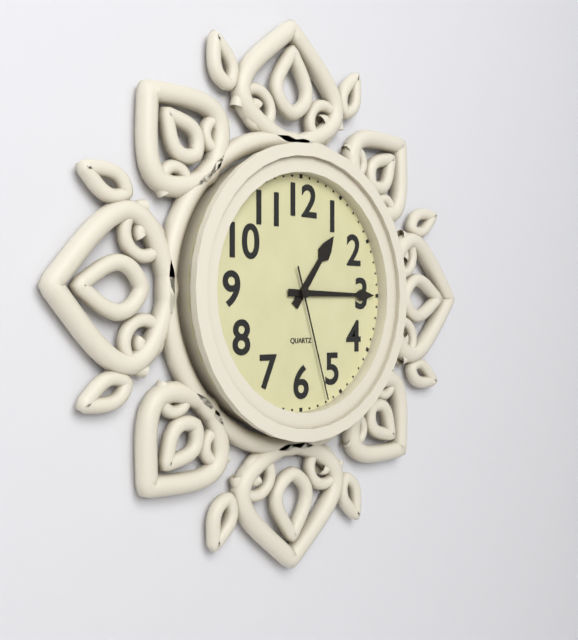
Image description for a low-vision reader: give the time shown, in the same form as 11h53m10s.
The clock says 1h15m27s
